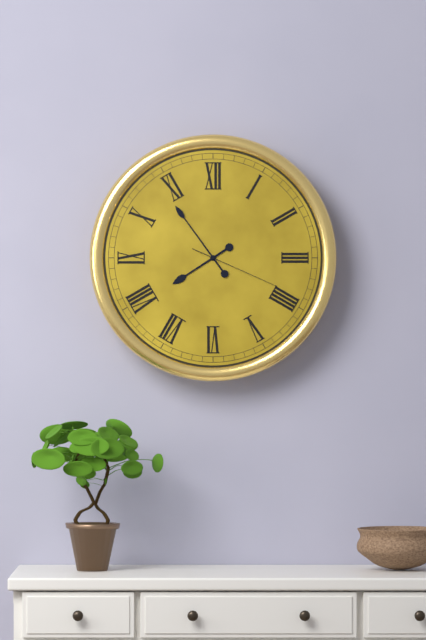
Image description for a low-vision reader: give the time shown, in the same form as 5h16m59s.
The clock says 7h54m19s
